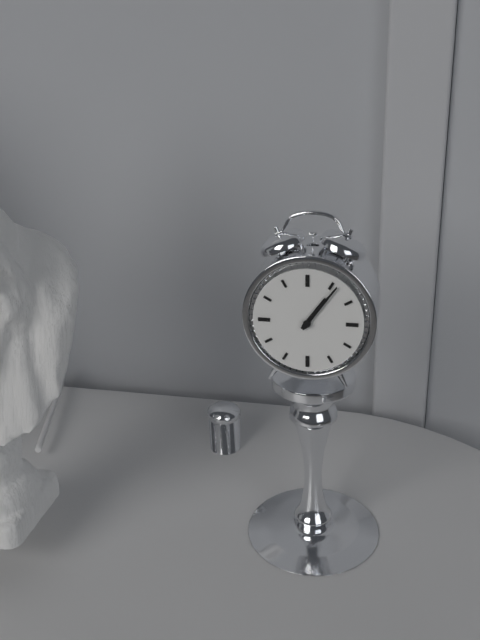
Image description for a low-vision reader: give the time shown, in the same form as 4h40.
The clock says 1h06
